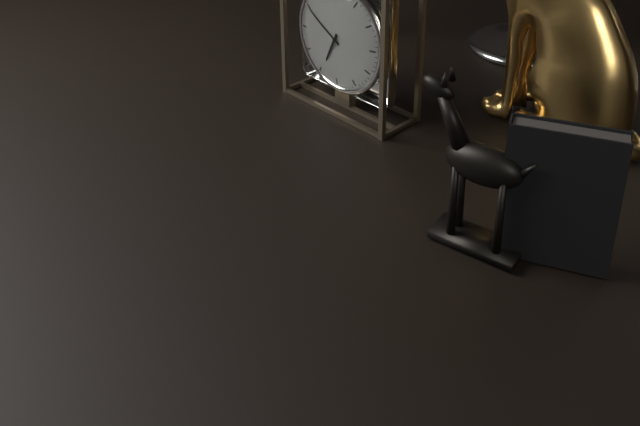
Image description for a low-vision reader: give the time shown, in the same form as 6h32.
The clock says 6h50
